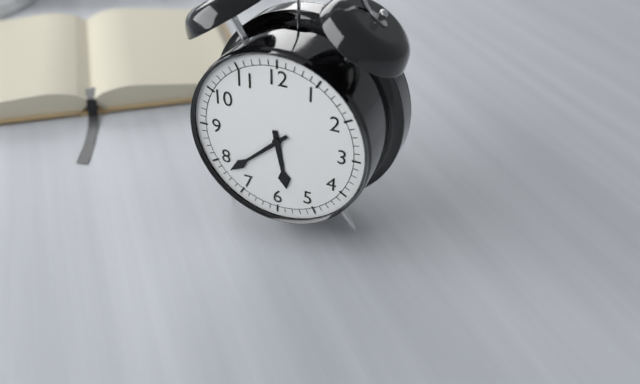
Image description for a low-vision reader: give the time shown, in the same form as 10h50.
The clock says 5h38
